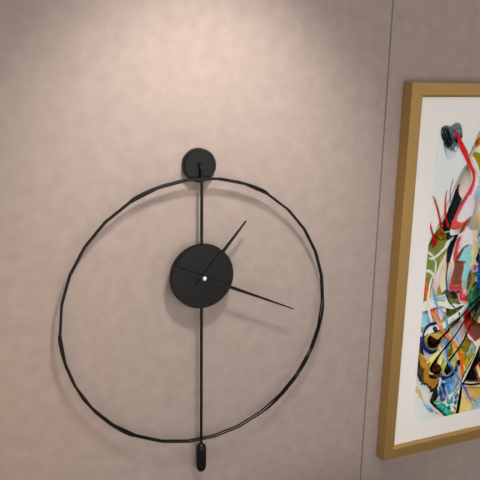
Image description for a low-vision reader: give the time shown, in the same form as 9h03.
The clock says 1h19
